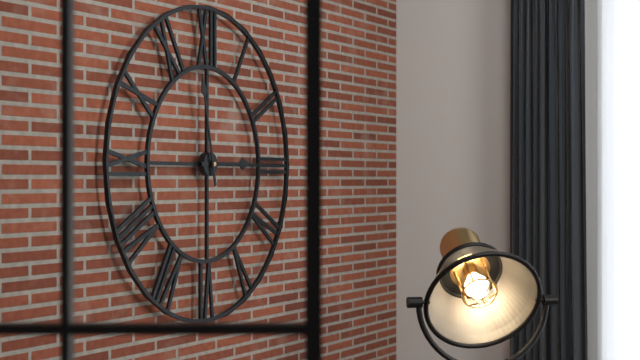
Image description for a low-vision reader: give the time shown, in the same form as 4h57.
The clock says 2h58
